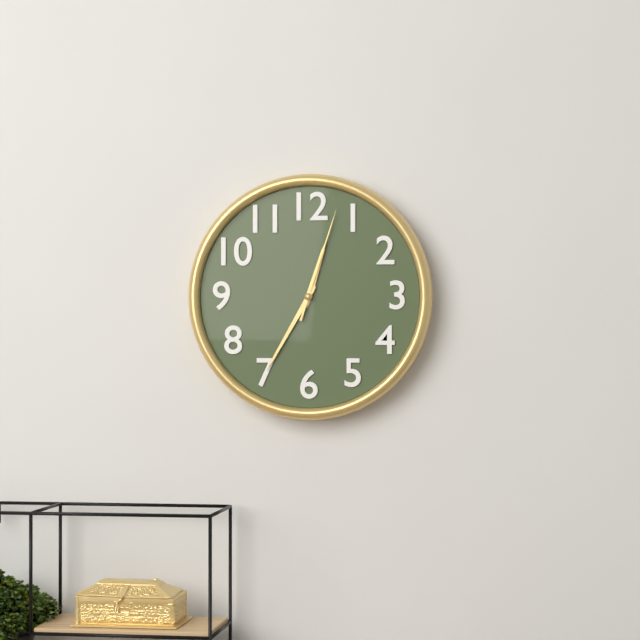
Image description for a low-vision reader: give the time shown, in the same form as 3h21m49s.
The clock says 12h35m03s
